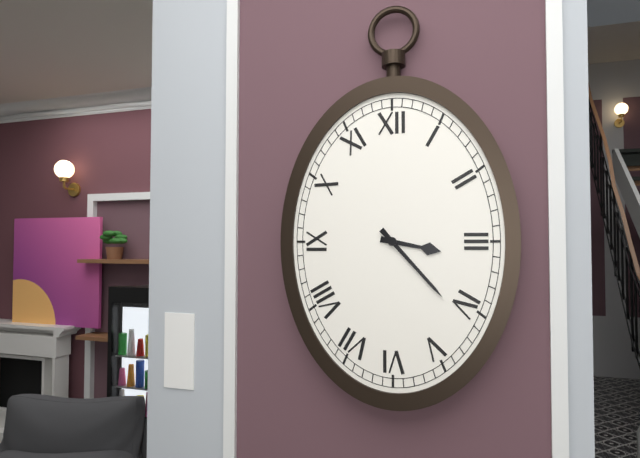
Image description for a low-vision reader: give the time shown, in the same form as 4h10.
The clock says 3h23
